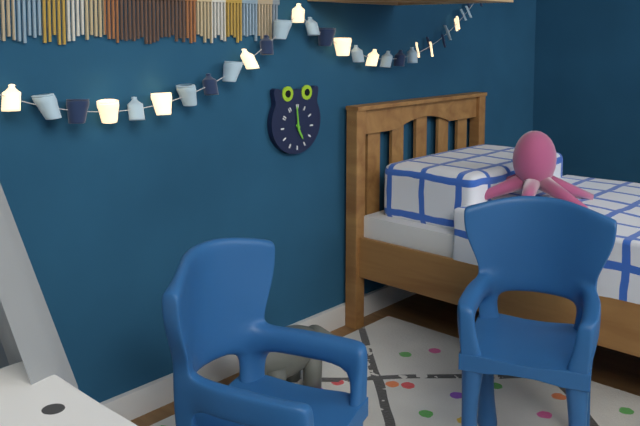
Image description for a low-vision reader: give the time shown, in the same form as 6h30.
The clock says 4h59
